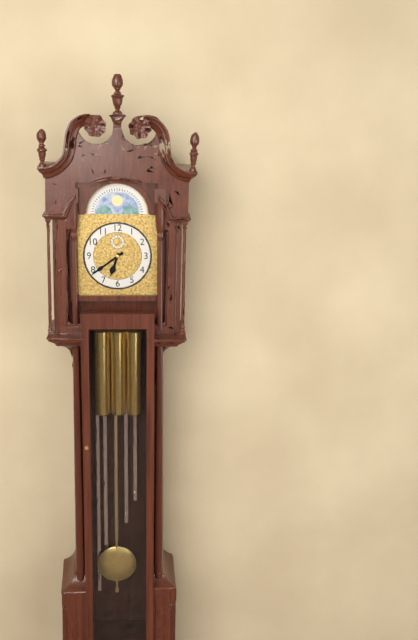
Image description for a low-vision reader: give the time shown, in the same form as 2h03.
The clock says 6h39
